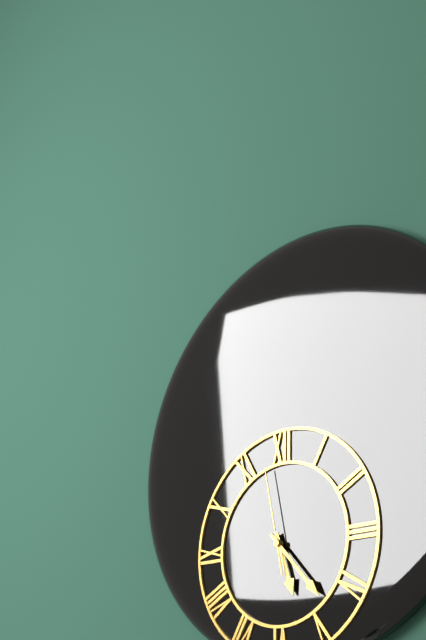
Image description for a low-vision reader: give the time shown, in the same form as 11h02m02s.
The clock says 5h23m58s
